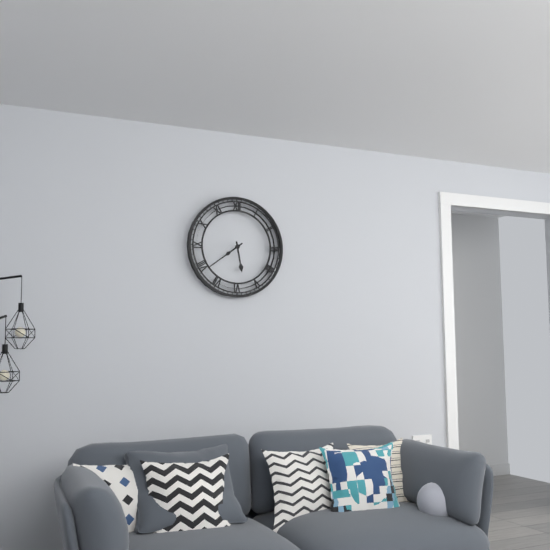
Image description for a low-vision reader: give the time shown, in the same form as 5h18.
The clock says 5h39
